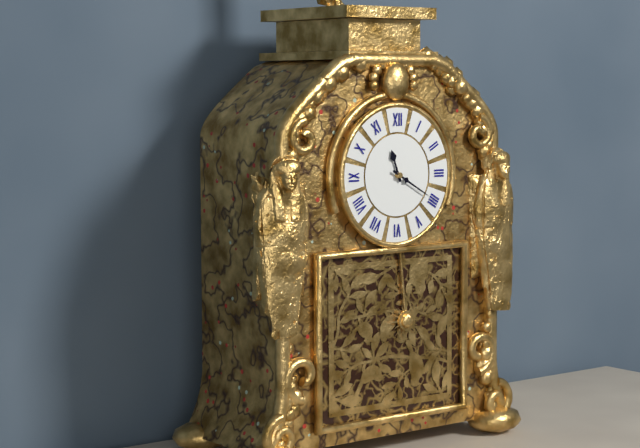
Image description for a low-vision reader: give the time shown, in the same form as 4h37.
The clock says 11h20
